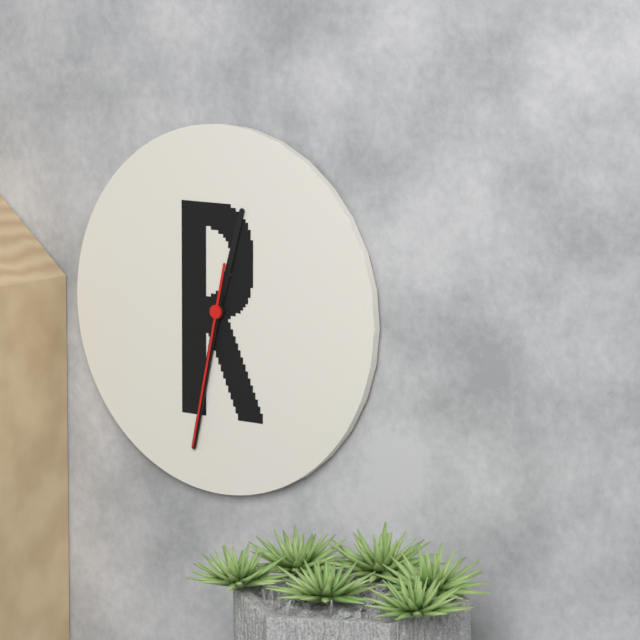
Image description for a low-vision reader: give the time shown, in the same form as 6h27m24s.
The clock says 12h32m32s
